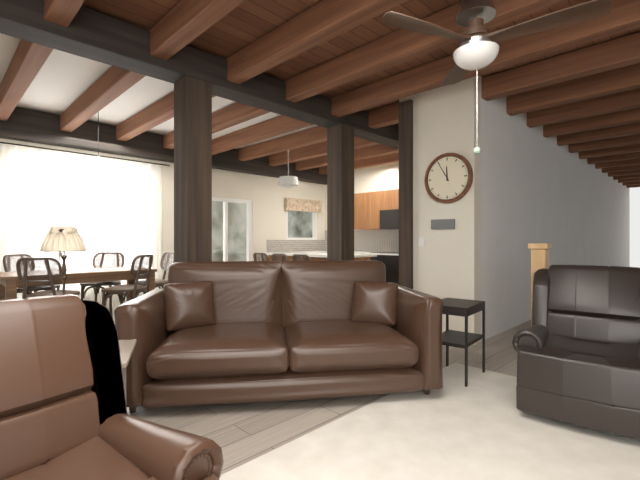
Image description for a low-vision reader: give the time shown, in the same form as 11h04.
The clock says 11h55
